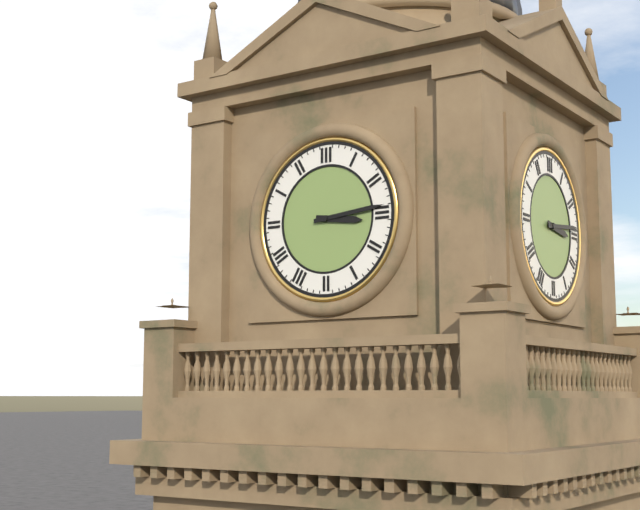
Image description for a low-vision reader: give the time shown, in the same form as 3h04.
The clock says 3h14
